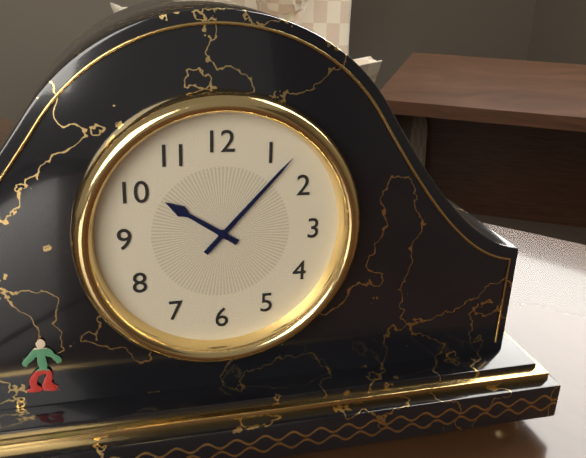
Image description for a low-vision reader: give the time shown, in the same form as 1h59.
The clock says 10h07
